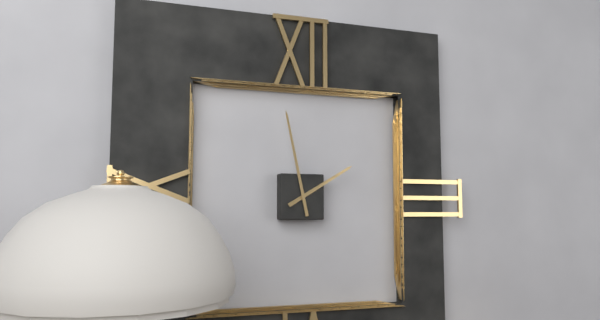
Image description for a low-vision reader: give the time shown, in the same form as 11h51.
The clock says 1h58
